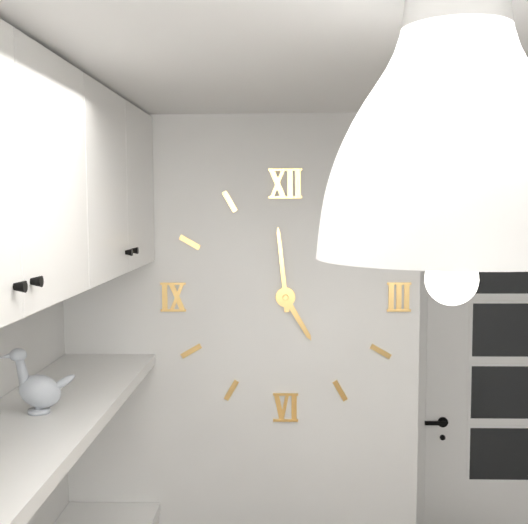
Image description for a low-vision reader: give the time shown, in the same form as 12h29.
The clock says 4h59
